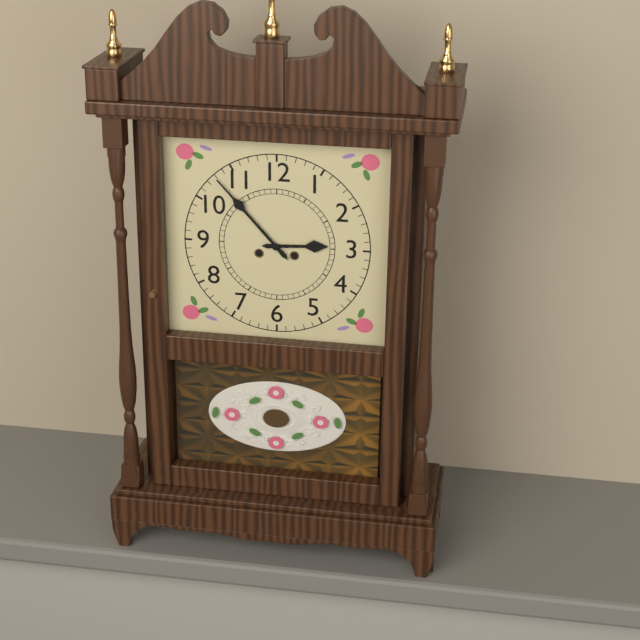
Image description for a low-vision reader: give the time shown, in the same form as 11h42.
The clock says 2h53
